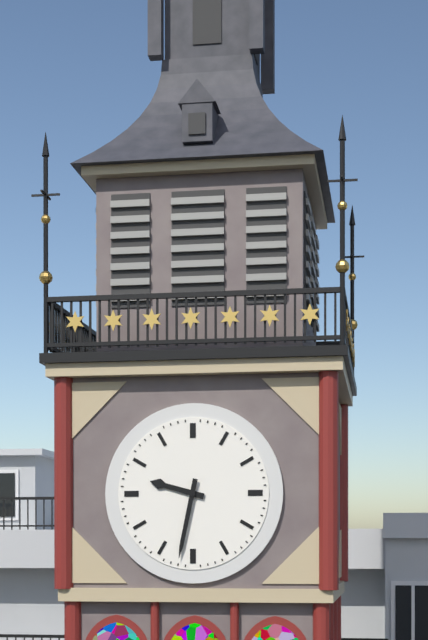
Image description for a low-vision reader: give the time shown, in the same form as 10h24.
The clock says 9h32
